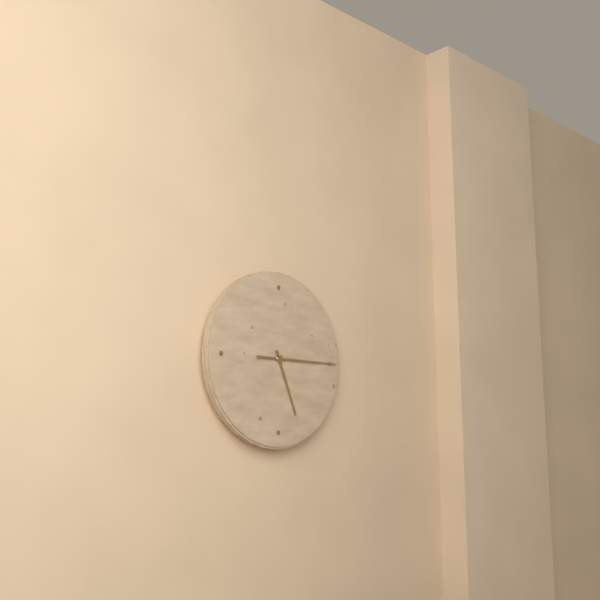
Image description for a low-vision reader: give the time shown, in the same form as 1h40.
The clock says 5h15
